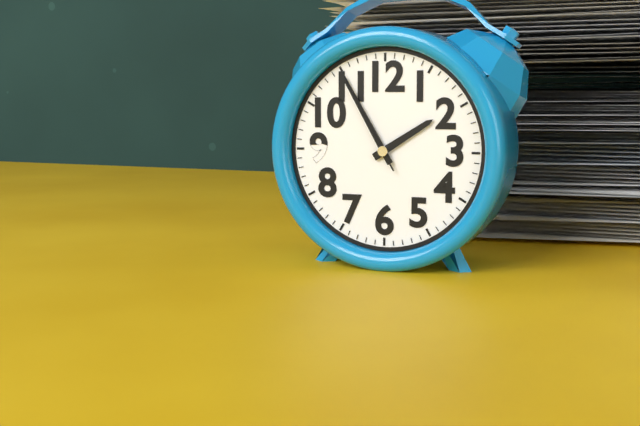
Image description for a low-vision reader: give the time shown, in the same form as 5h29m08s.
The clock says 1h55m55s
